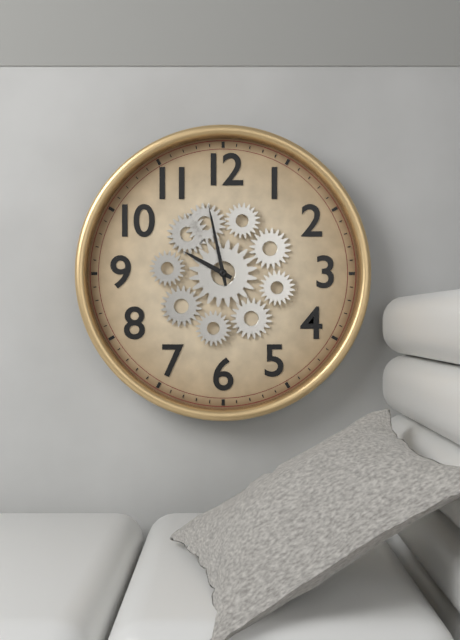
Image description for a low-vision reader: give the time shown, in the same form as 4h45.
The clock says 9h58
